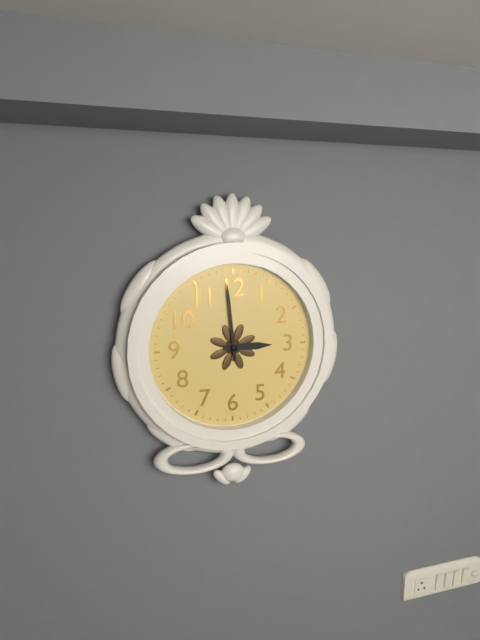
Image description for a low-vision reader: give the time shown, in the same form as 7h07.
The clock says 2h59
